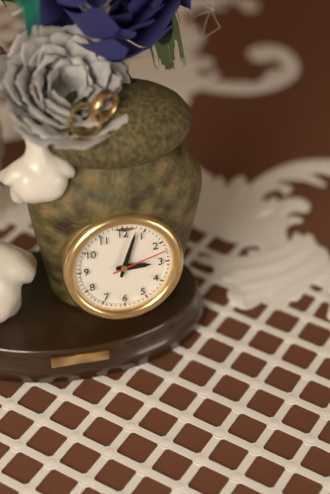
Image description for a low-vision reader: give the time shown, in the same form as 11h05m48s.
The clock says 3h03m12s
